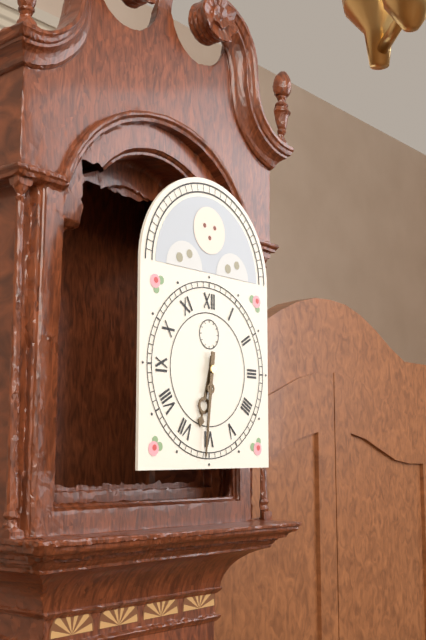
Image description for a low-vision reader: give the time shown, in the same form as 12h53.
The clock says 6h31
